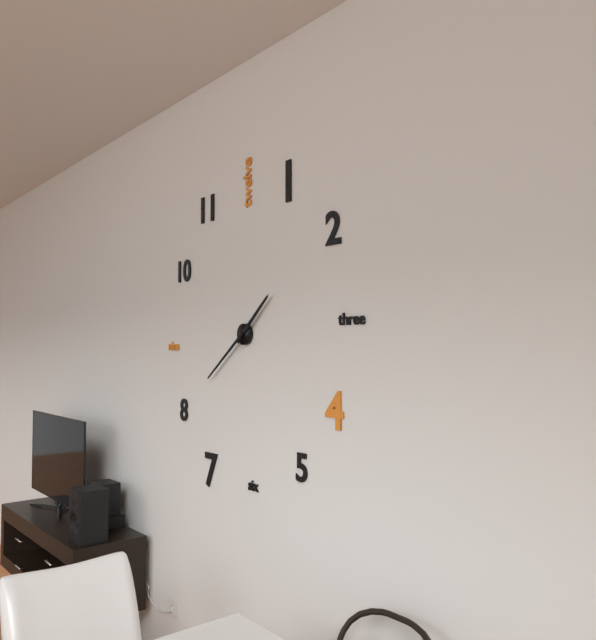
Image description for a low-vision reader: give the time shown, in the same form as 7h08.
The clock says 1h39
